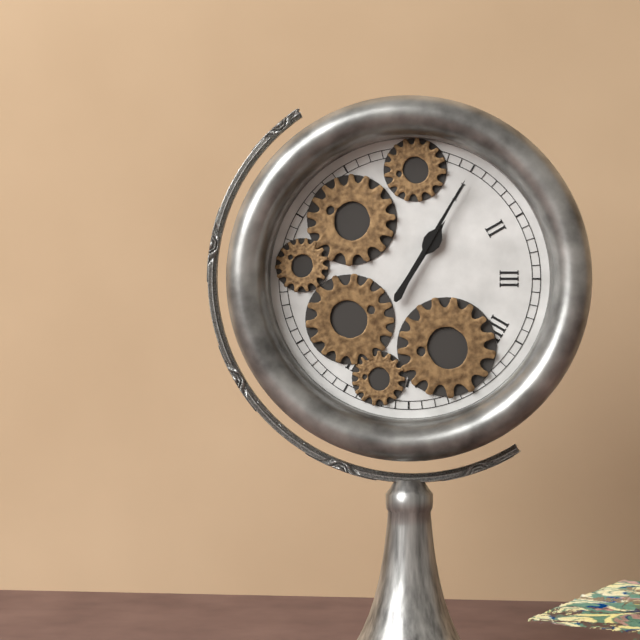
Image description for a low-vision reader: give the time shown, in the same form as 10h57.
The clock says 1h05
